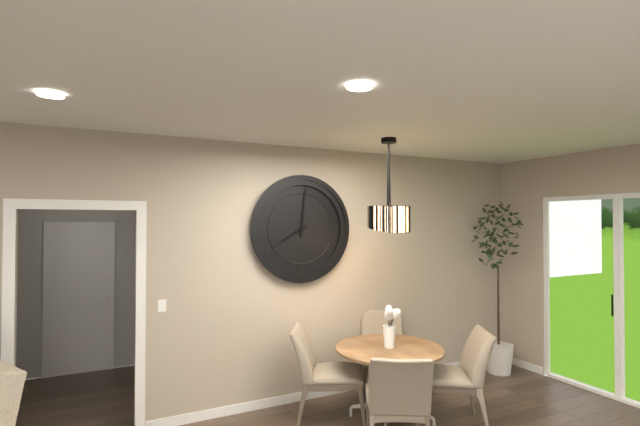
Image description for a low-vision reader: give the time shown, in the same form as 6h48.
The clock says 8h01
